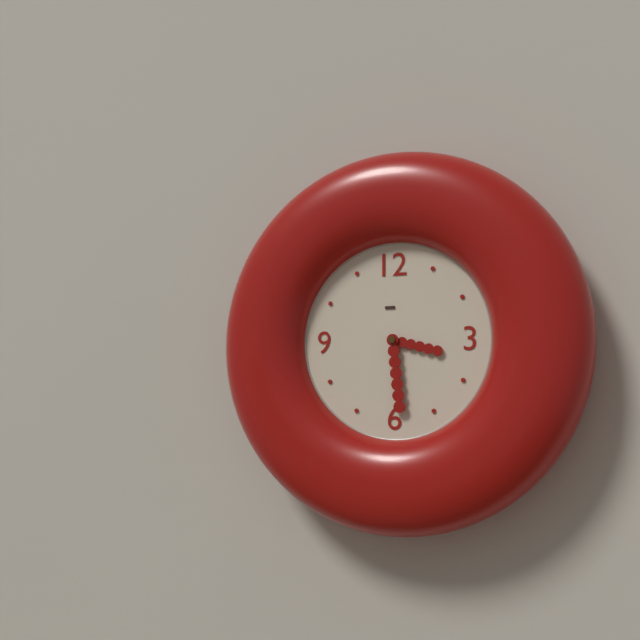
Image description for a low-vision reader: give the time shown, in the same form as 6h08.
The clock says 3h29
